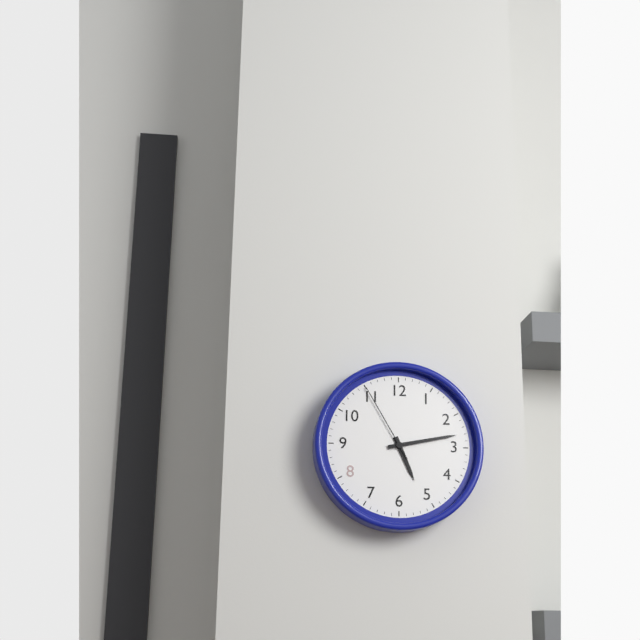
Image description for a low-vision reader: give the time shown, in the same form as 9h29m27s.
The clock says 5h13m55s
